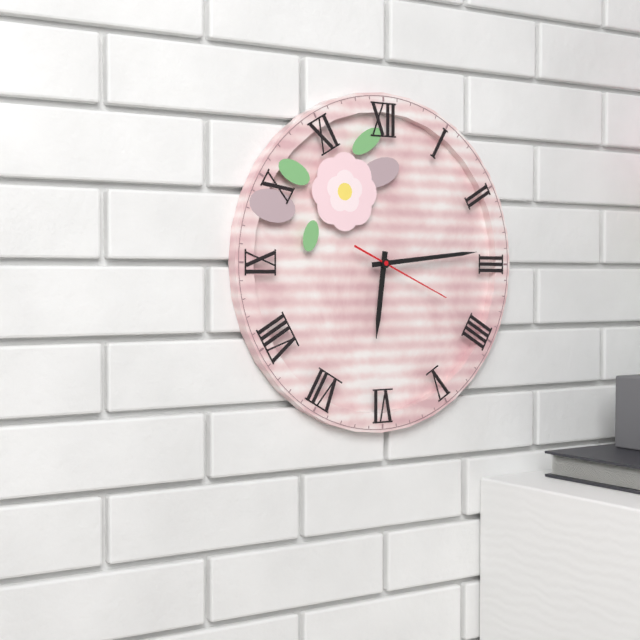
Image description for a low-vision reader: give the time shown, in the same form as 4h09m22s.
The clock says 6h14m19s
